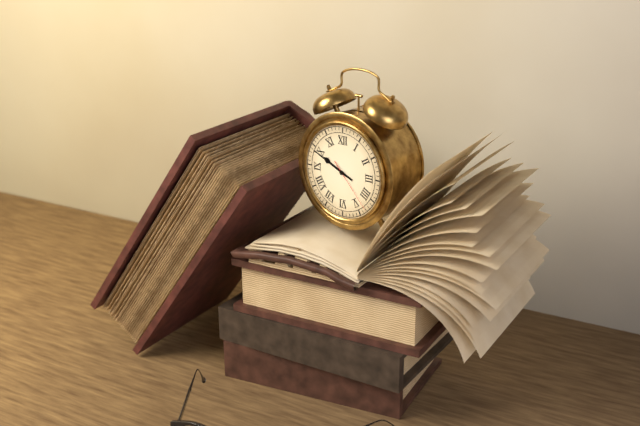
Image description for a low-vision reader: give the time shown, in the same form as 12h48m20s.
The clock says 9h49m23s
